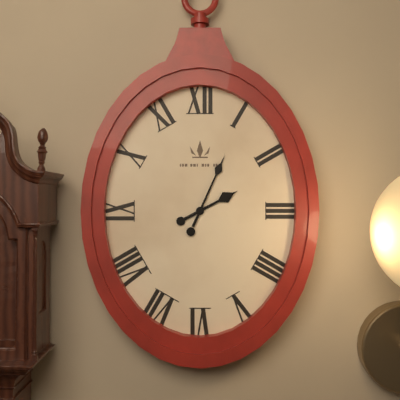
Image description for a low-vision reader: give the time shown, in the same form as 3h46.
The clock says 2h04
